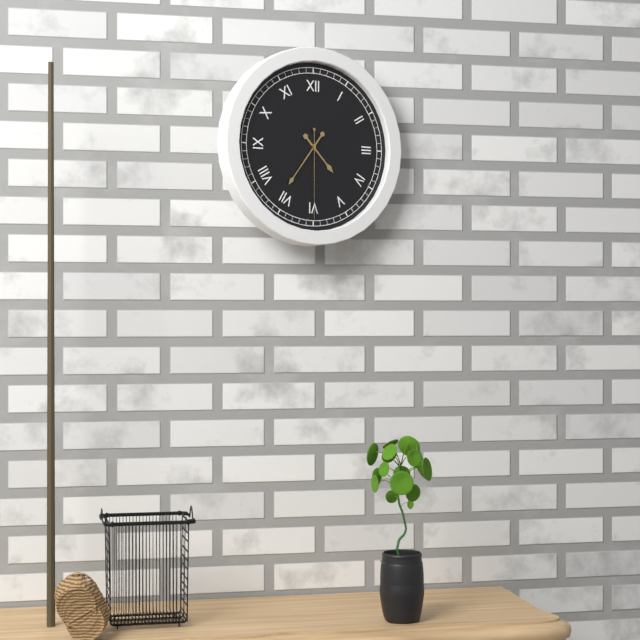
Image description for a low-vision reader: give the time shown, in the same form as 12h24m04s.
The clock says 4h36m30s
